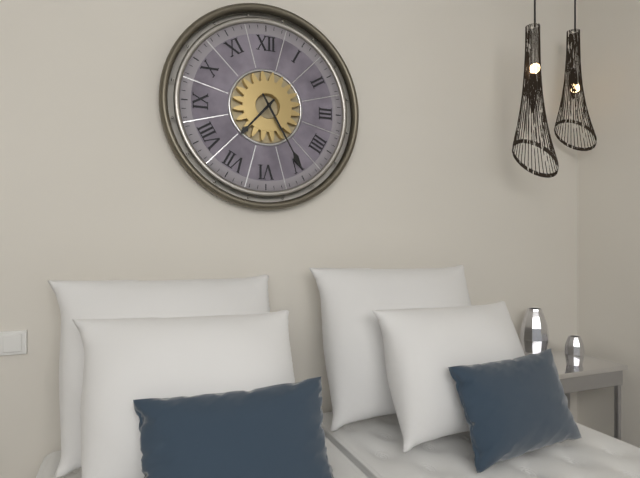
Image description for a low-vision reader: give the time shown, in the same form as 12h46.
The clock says 7h25
